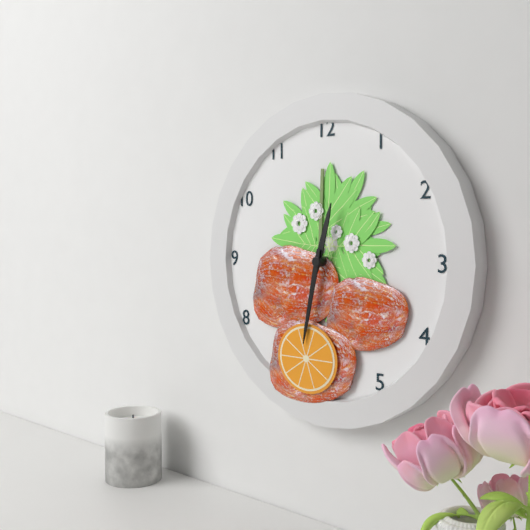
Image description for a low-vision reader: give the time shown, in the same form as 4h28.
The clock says 12h32
